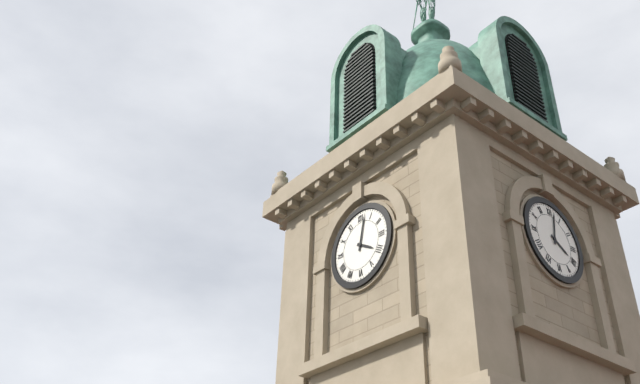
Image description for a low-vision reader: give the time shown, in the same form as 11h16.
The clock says 4h02
